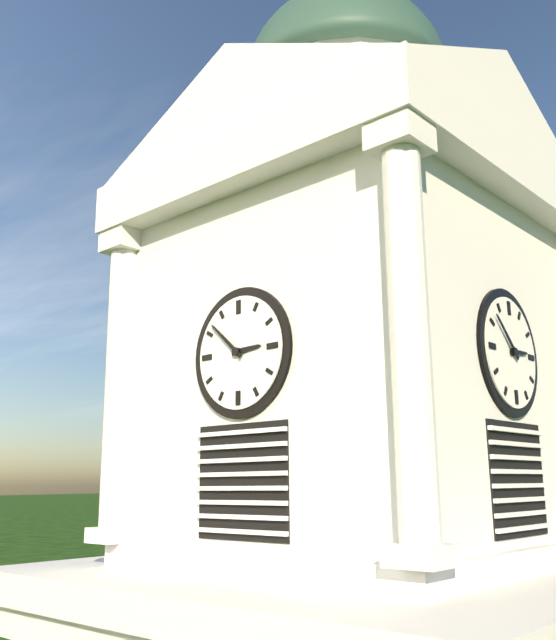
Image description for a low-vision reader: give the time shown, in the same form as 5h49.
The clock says 2h52
